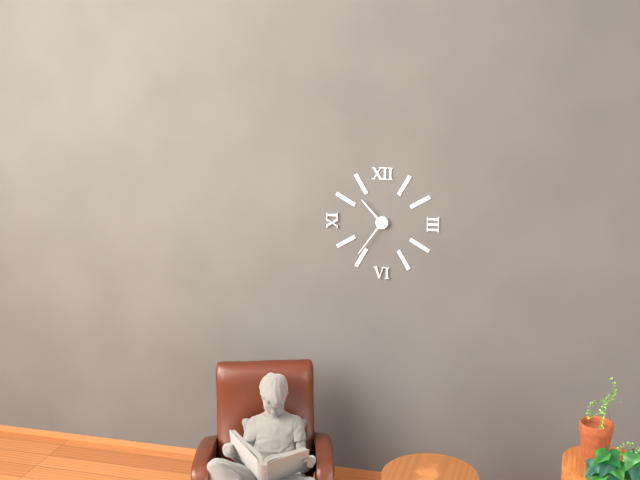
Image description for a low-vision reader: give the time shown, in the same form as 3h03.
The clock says 10h36
